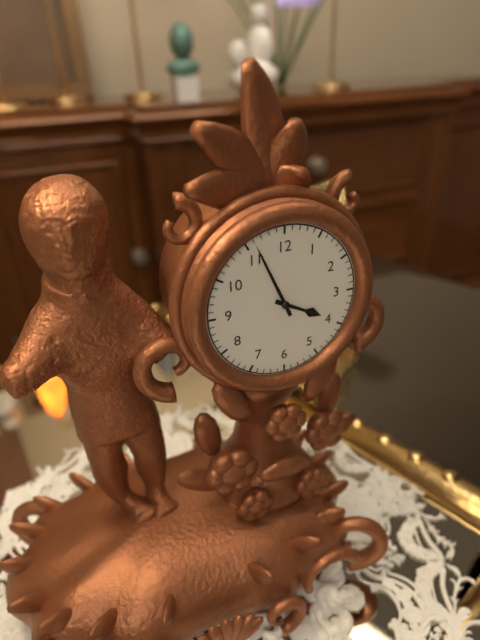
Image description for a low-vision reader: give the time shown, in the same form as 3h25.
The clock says 3h56
